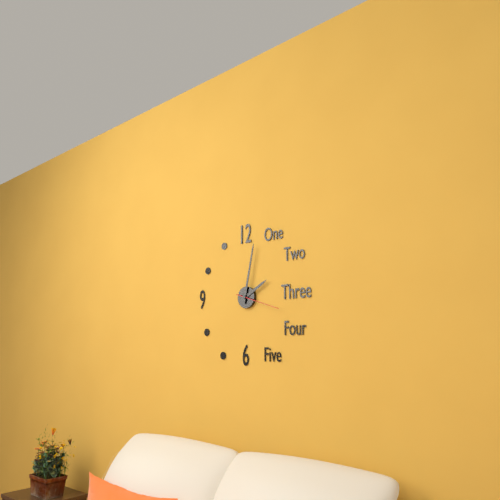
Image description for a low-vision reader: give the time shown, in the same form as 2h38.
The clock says 2h02
